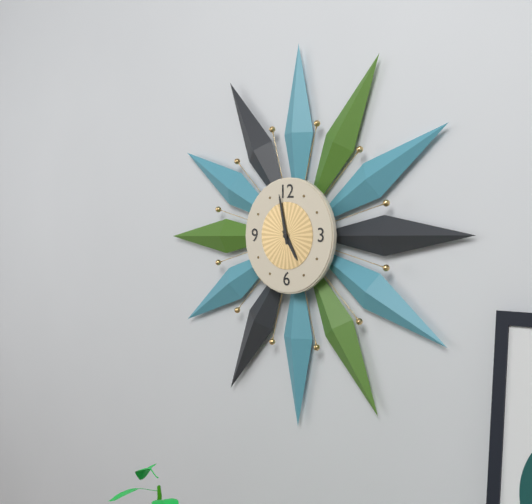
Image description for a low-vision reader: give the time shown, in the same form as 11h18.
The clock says 4h58
